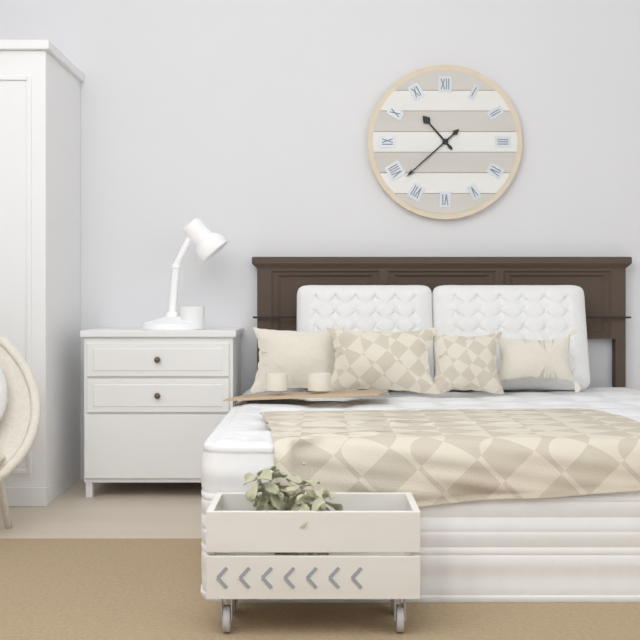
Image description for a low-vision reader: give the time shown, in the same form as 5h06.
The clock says 10h38
